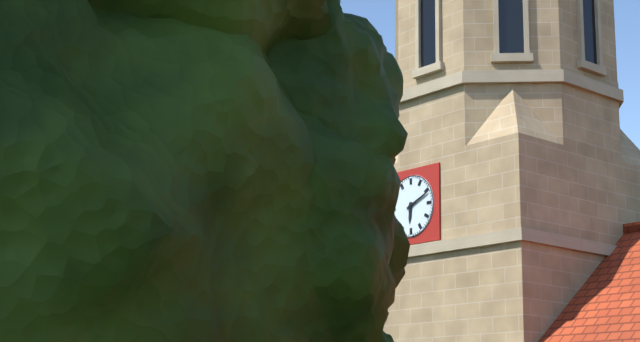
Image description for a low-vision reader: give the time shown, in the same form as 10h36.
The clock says 6h11
